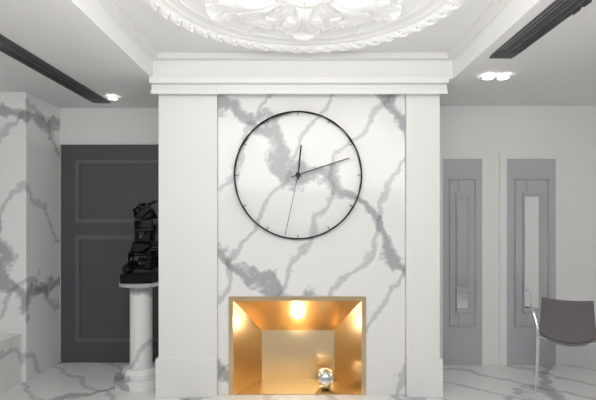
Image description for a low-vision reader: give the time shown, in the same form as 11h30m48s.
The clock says 12h12m32s
